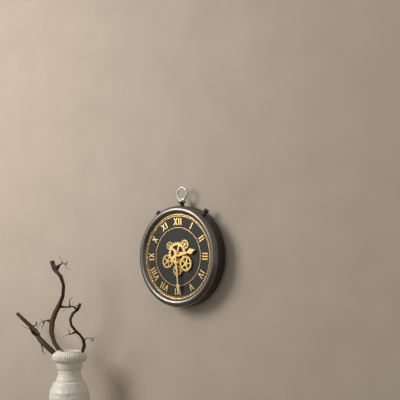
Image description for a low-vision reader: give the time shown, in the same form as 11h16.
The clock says 2h29
